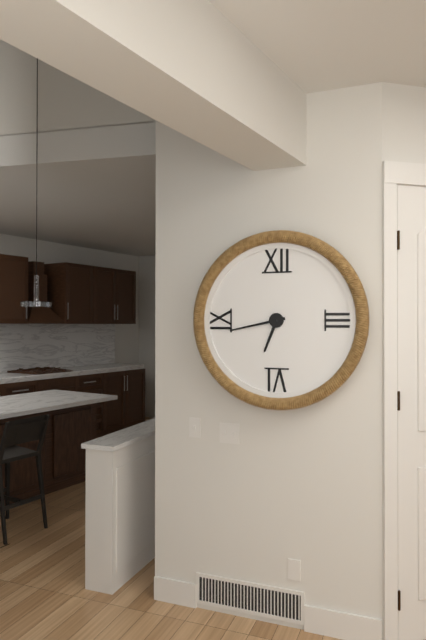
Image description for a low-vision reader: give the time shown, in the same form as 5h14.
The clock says 6h43
